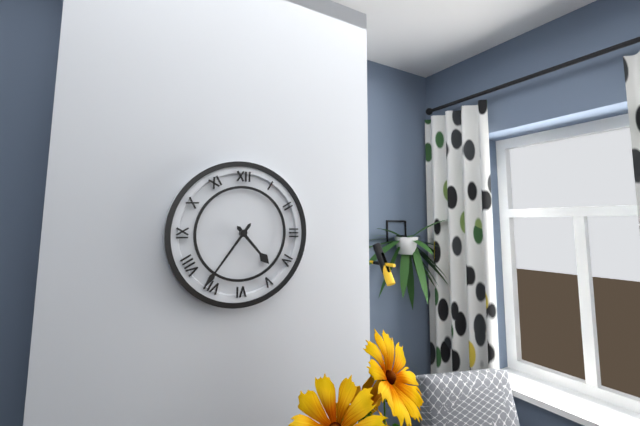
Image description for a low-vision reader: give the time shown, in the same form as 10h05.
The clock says 4h36
